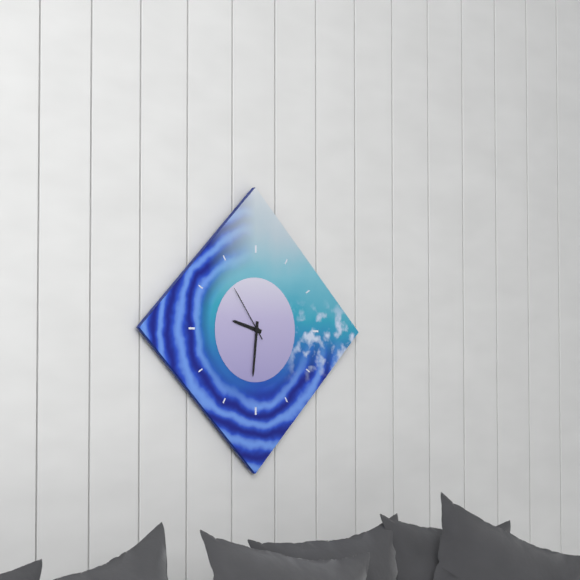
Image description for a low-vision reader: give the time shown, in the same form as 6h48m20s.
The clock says 9h31m54s
